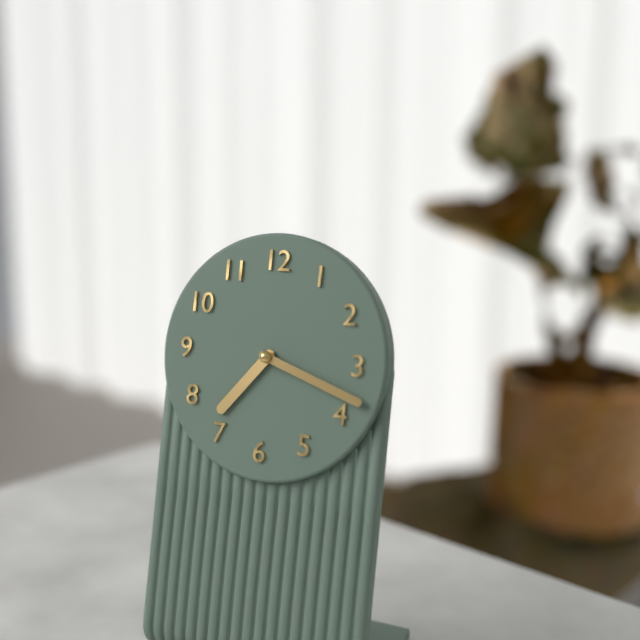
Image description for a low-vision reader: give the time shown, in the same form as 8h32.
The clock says 7h18
